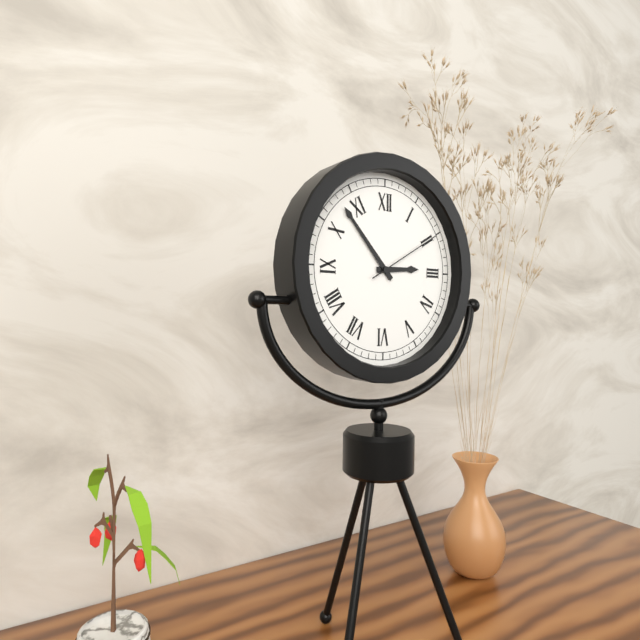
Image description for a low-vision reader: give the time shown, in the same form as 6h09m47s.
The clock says 2h53m10s
